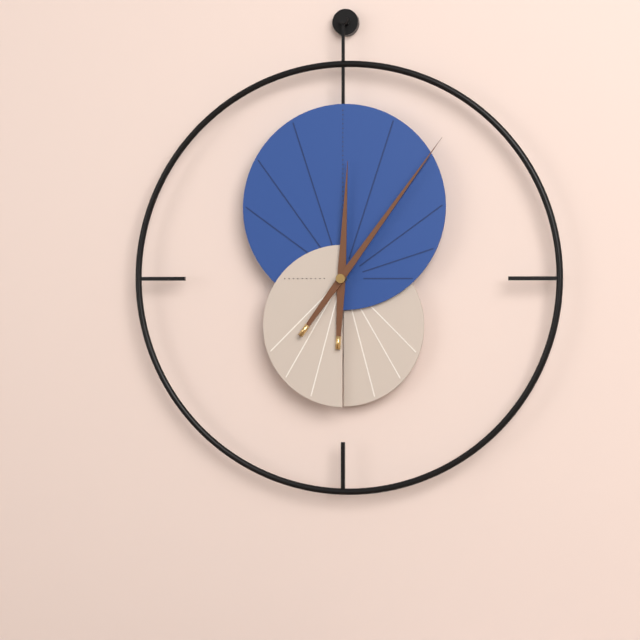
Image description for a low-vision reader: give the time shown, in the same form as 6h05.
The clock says 12h06
